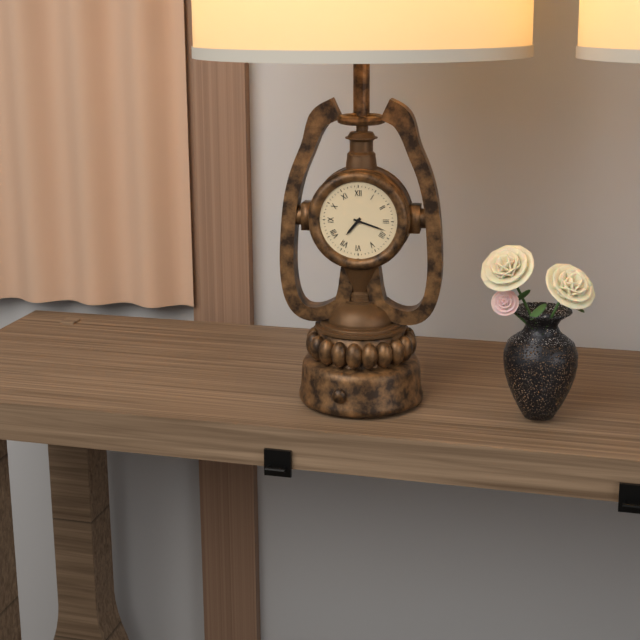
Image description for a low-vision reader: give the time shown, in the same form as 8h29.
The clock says 7h18
